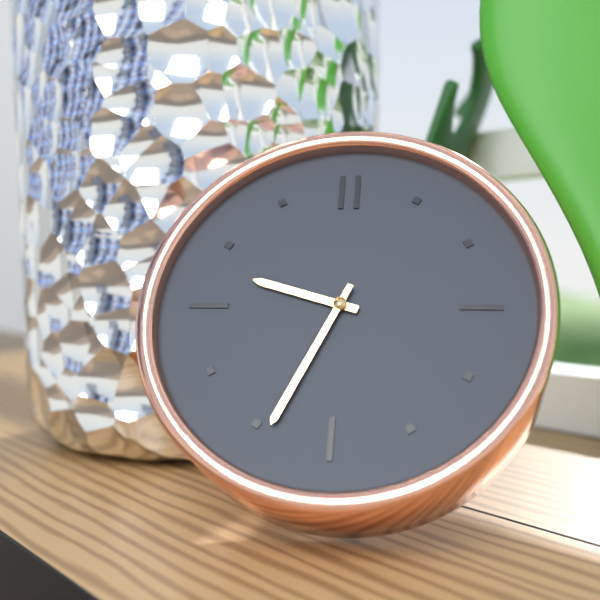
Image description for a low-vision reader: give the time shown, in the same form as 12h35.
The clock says 9h34
